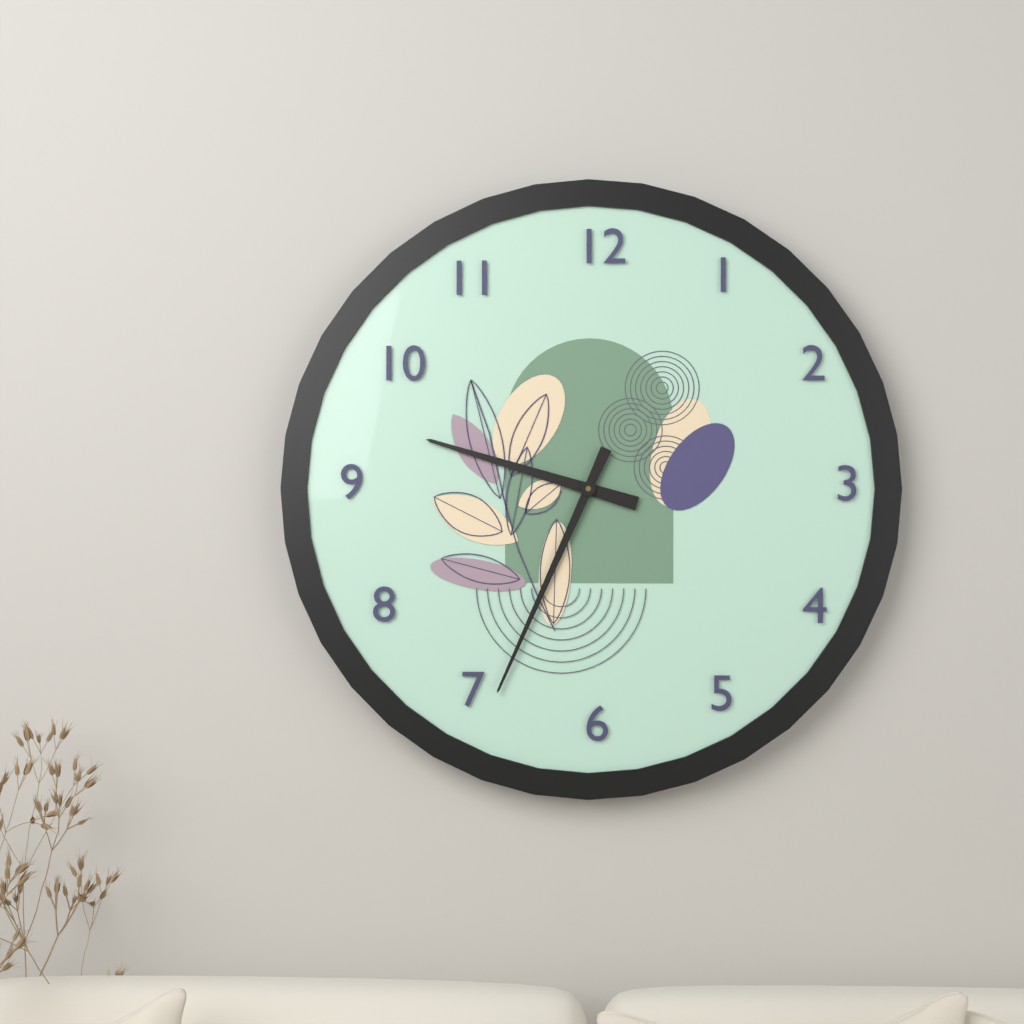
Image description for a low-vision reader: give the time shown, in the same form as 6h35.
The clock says 9h34
